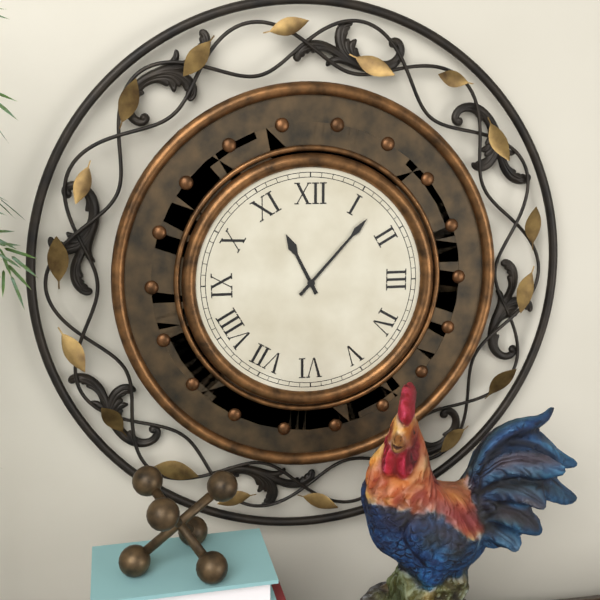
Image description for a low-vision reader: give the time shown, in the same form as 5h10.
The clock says 11h07
